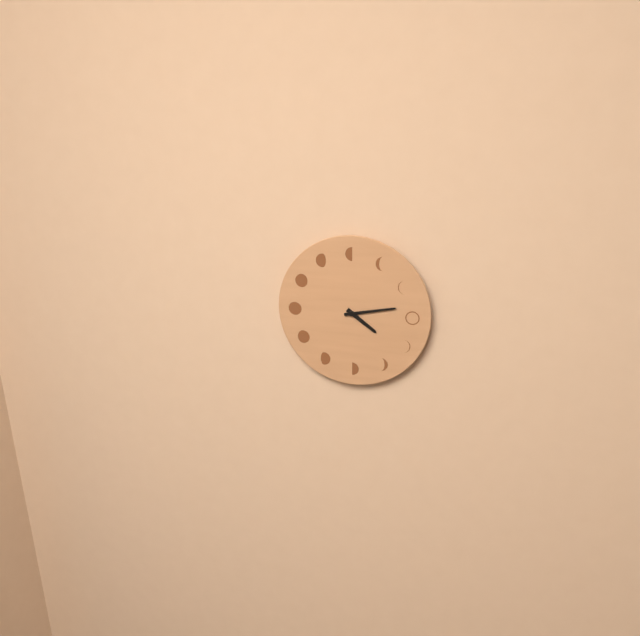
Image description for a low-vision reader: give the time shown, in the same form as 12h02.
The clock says 4h13
